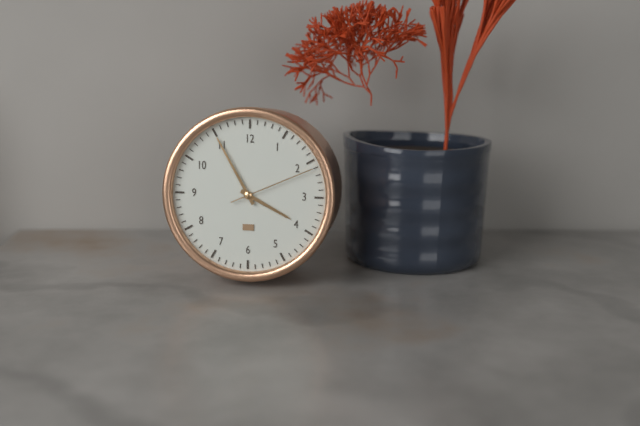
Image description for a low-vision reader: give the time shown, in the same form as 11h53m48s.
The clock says 3h55m11s
